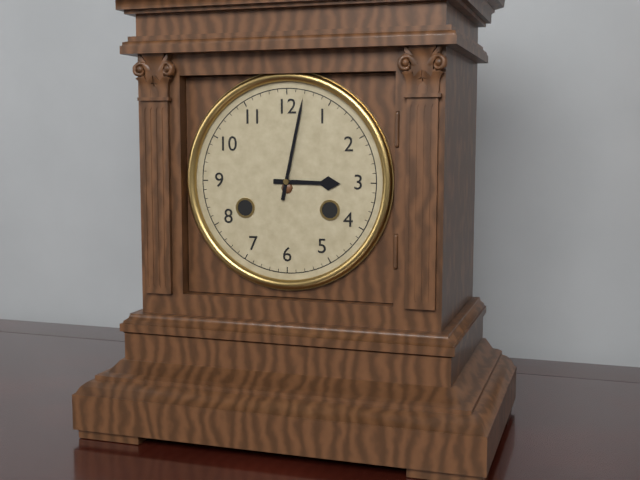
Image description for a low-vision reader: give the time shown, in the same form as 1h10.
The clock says 3h02
